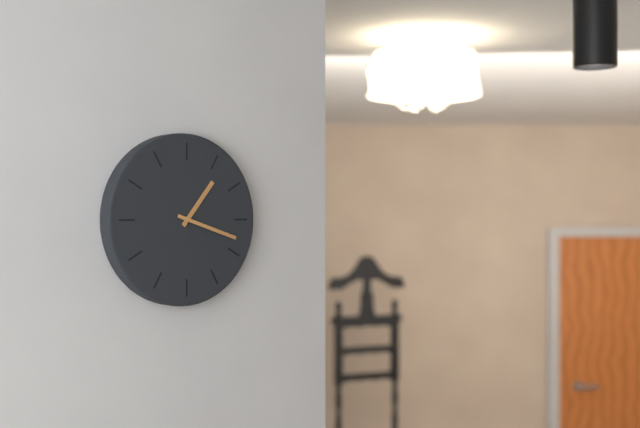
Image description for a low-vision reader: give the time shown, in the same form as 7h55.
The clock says 1h18
